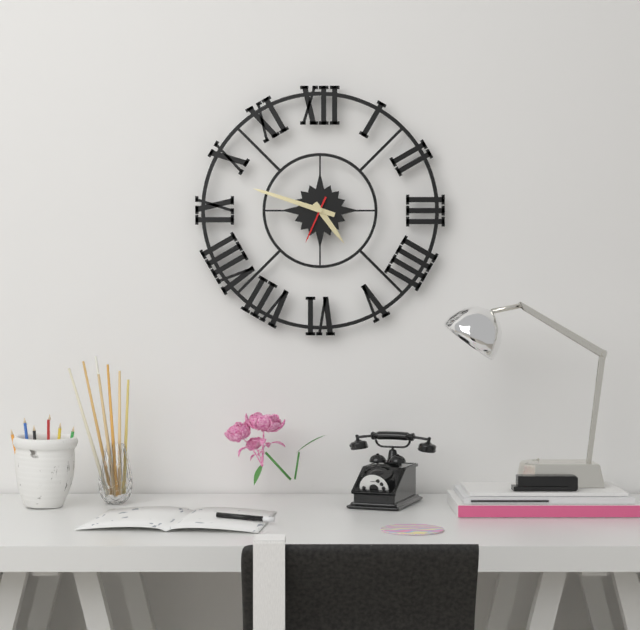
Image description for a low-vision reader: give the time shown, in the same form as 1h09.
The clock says 4h48
